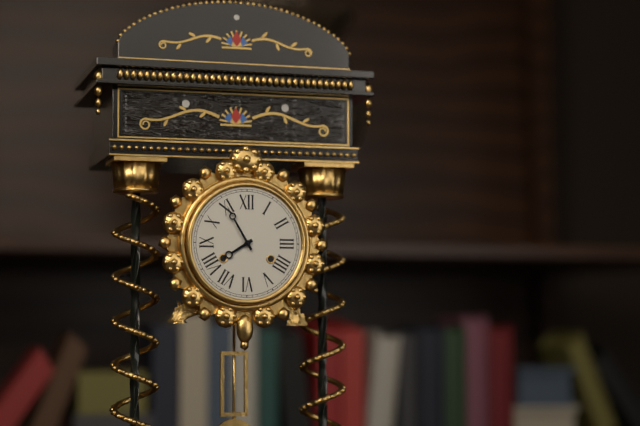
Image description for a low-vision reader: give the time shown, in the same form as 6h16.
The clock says 7h55
